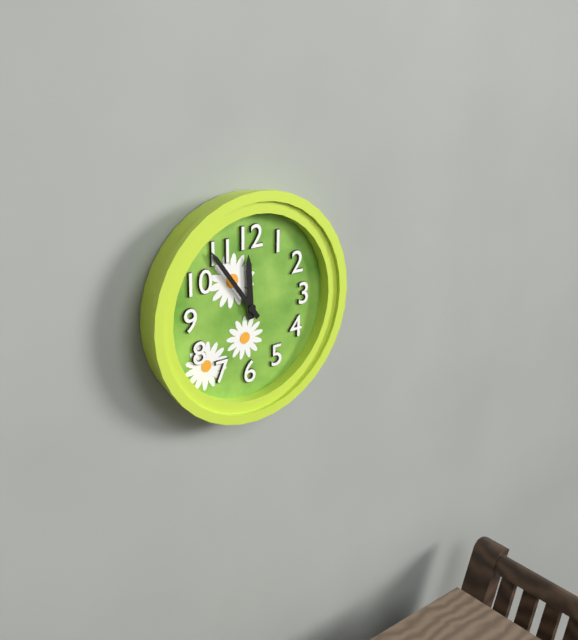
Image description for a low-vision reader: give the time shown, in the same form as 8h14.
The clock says 11h54
